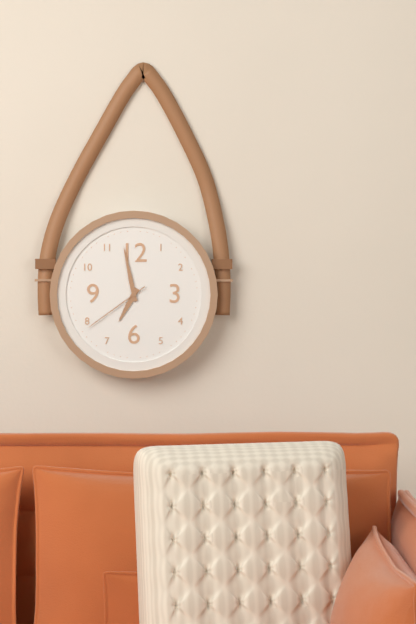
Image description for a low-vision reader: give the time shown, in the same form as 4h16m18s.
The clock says 6h58m39s
